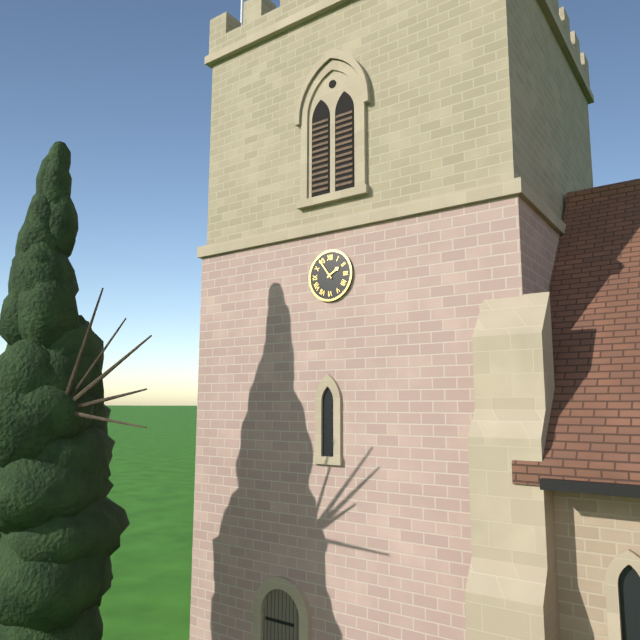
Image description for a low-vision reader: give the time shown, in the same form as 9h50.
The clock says 1h54
